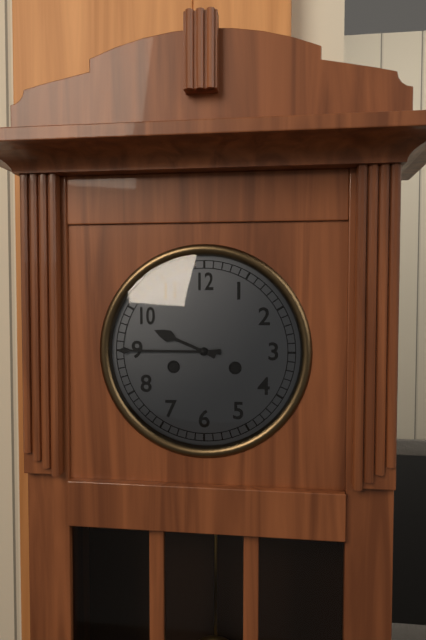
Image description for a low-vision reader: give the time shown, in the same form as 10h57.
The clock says 9h45
